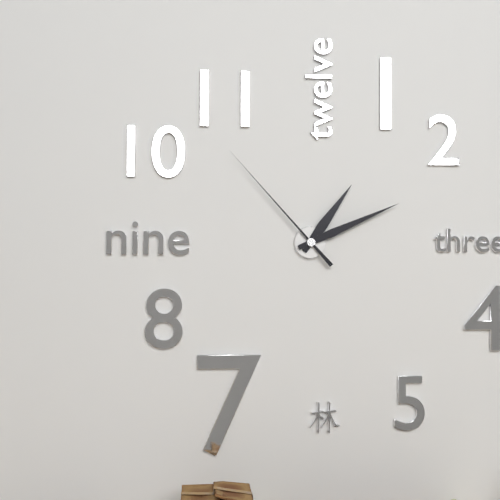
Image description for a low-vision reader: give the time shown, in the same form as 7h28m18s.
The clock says 1h11m53s
